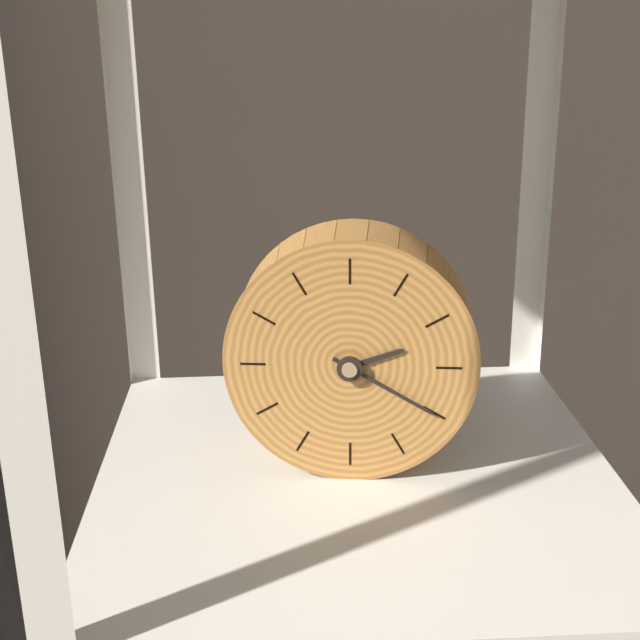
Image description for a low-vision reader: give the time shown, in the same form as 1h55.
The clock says 2h20
